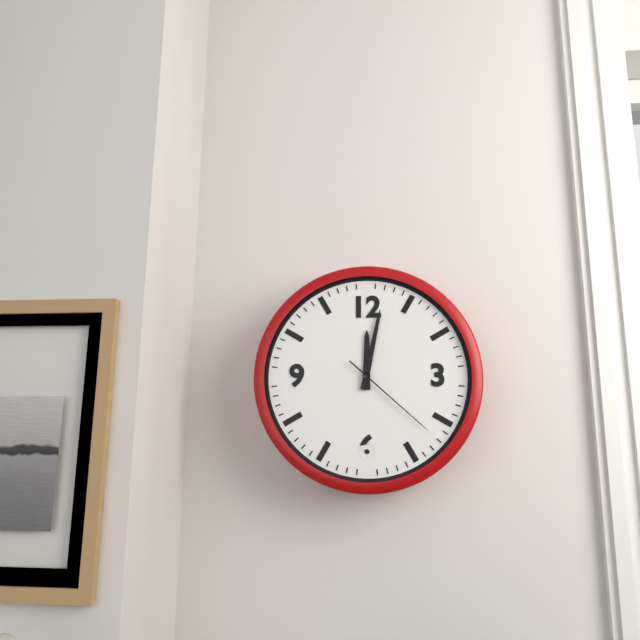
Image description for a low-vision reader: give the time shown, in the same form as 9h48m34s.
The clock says 12h02m22s
